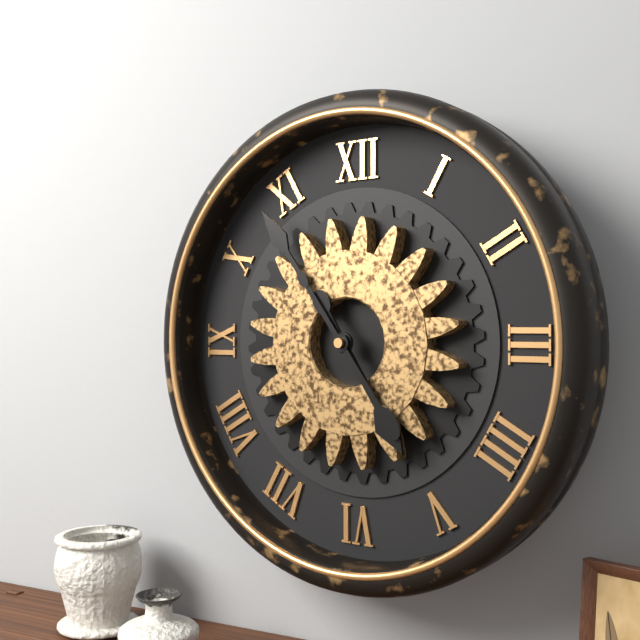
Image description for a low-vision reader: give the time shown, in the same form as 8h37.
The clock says 4h54
